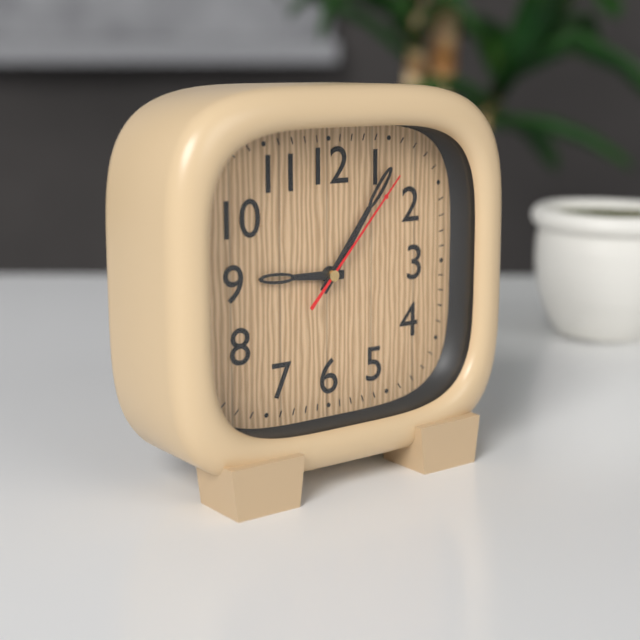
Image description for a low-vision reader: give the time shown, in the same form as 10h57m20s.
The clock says 9h06m07s
